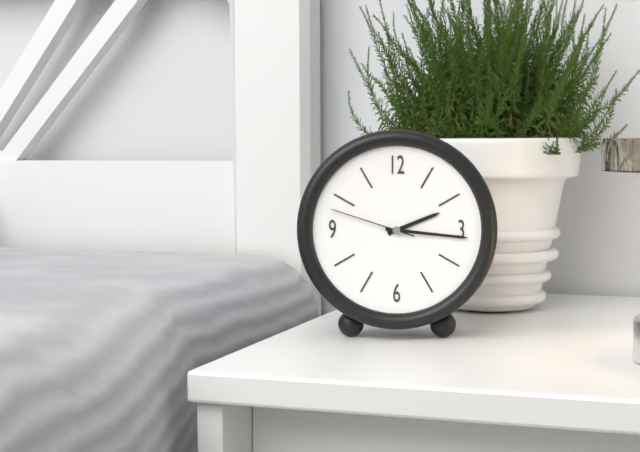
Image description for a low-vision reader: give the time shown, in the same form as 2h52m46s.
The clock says 2h16m48s
